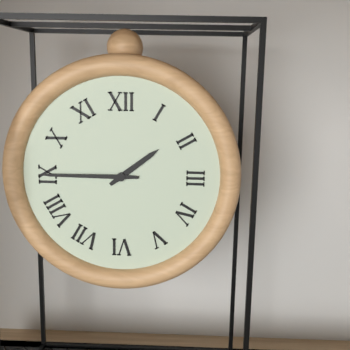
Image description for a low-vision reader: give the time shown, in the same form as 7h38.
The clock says 1h45
